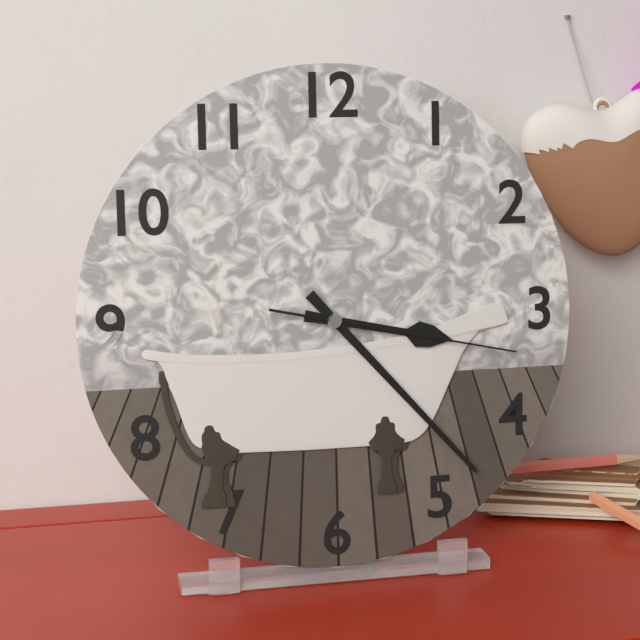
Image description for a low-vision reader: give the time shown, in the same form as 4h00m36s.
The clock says 3h23m17s
